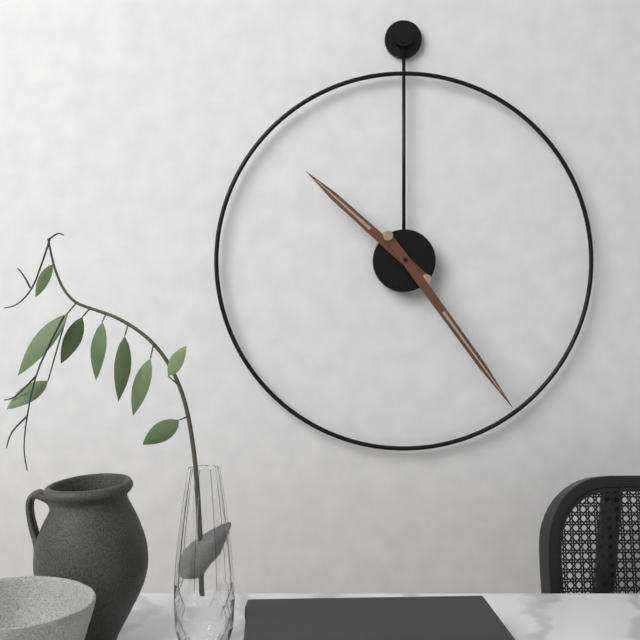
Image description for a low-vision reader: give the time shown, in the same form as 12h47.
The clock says 10h24
